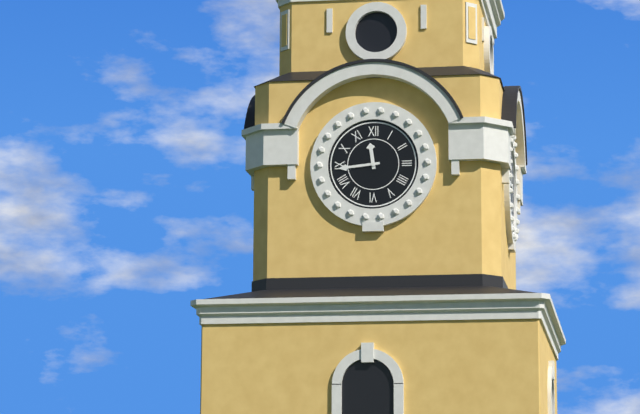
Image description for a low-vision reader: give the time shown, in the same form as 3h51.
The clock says 11h44
